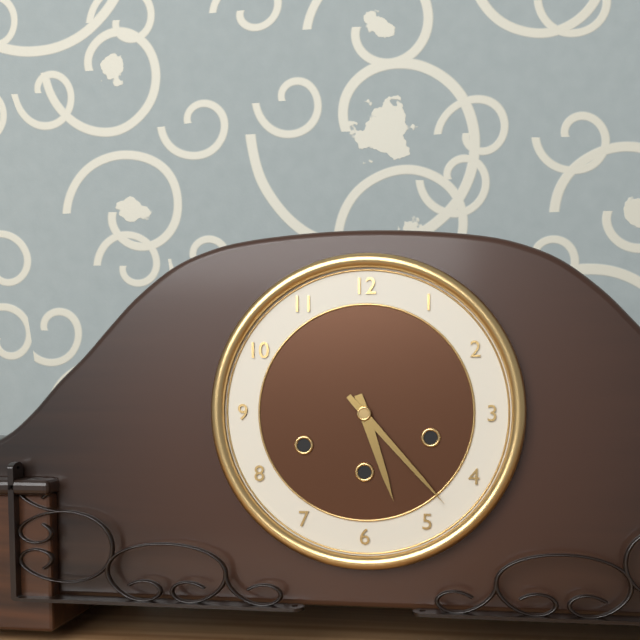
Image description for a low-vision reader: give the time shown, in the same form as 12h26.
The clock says 5h23
